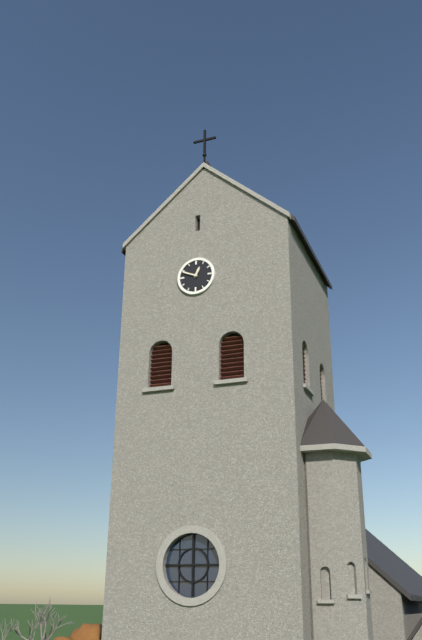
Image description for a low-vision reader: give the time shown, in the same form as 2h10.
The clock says 12h49
